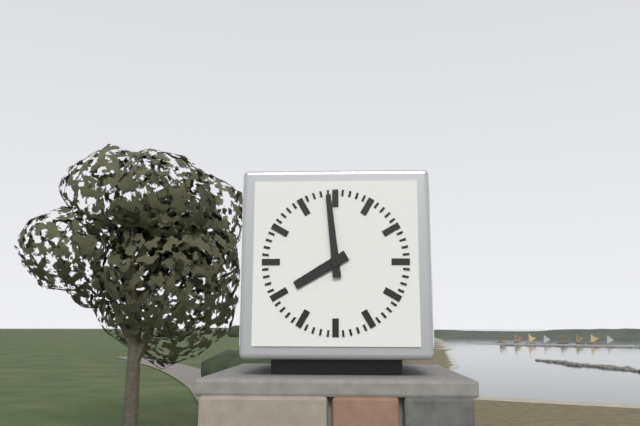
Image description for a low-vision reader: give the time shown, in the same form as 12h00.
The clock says 7h59
